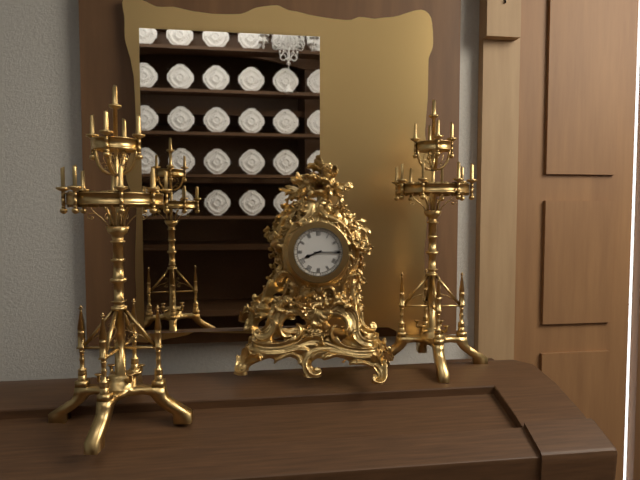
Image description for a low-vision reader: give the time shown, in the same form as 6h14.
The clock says 8h15
